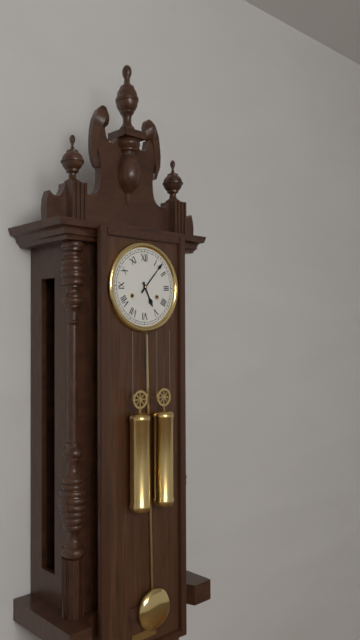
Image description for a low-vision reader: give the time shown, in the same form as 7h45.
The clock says 5h07
